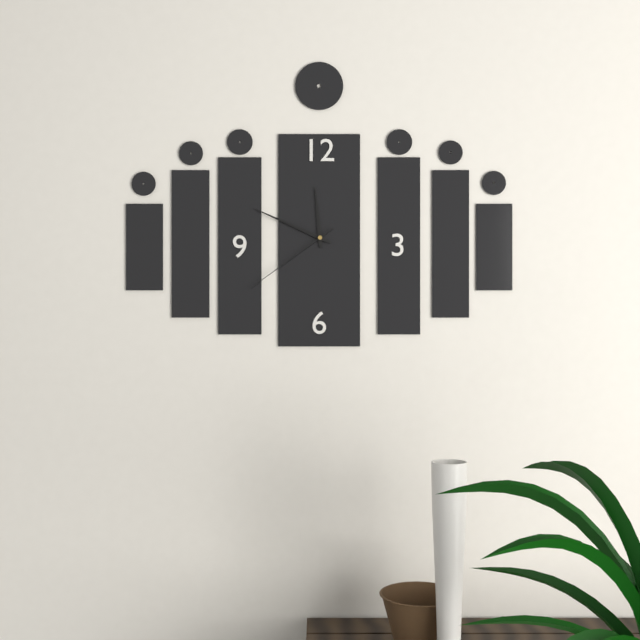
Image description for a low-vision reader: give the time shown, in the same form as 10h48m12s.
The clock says 11h49m39s
